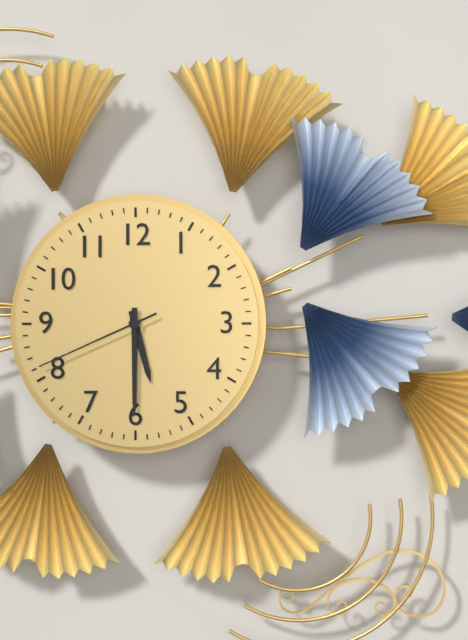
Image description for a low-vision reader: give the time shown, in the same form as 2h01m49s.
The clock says 5h30m41s
